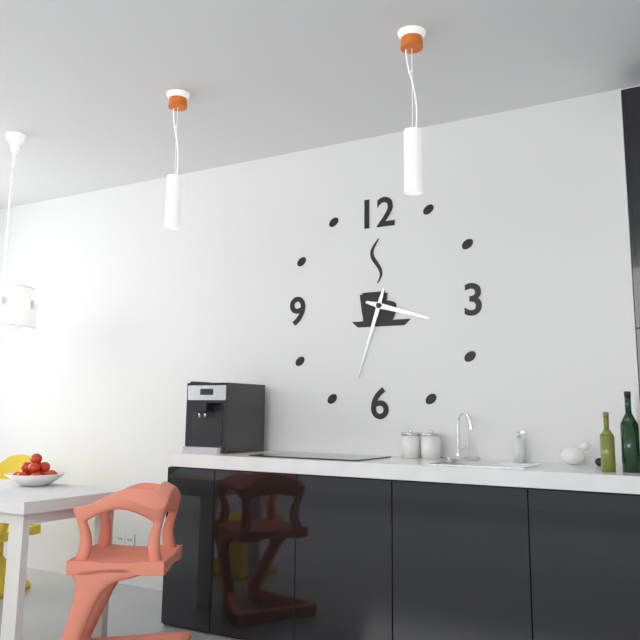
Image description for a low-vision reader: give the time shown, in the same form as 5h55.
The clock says 3h33
